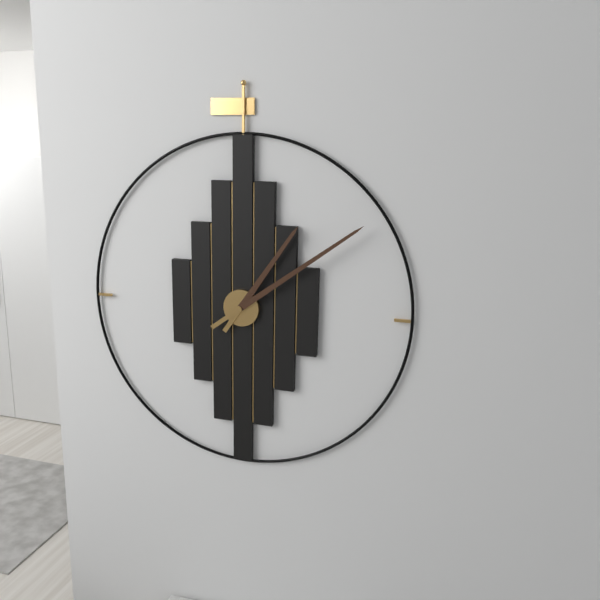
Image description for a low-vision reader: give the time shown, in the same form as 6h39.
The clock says 1h09
